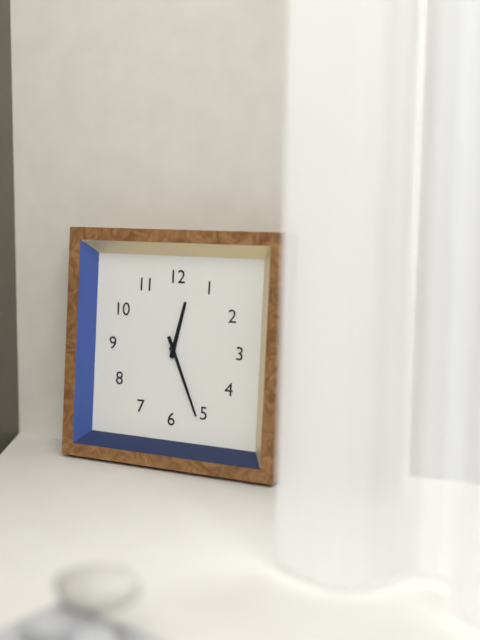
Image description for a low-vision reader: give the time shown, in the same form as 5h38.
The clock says 12h26
